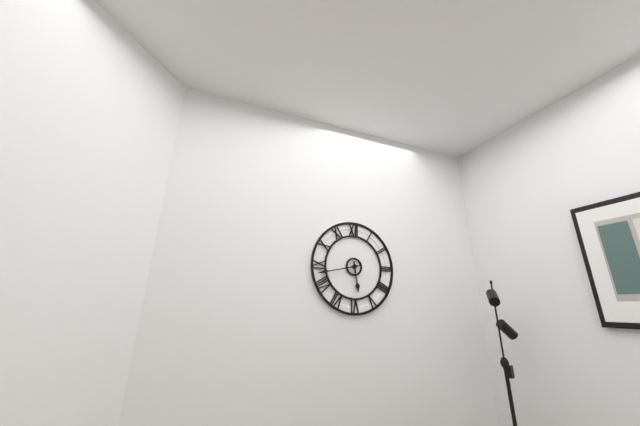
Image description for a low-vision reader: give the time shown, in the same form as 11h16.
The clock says 5h43
